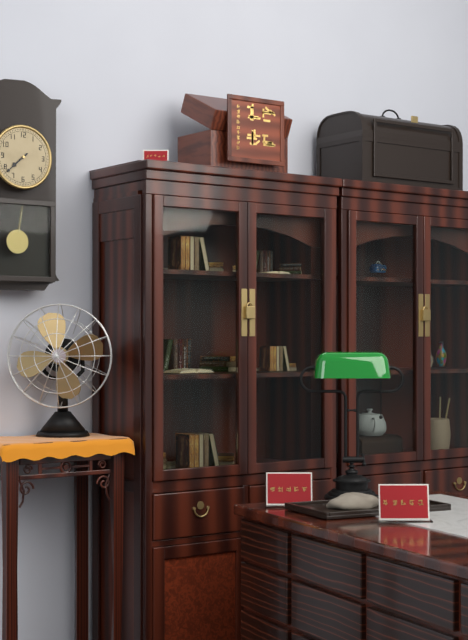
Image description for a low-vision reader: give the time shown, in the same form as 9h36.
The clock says 7h38
